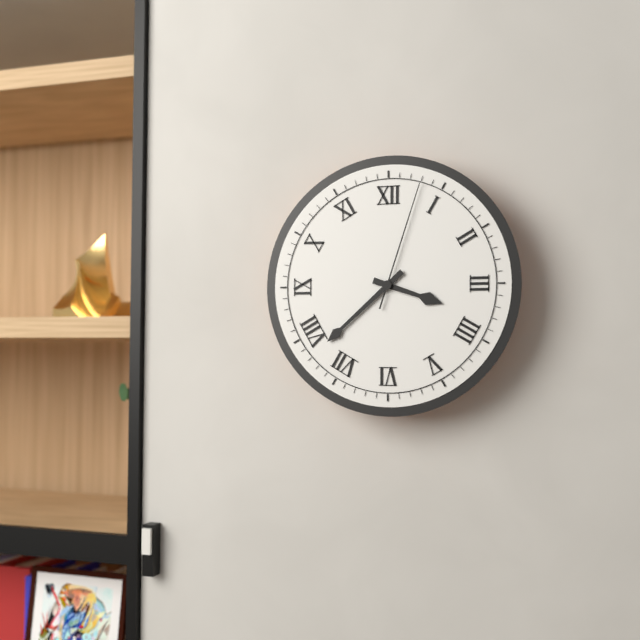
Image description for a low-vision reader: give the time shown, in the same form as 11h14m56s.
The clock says 3h38m03s
